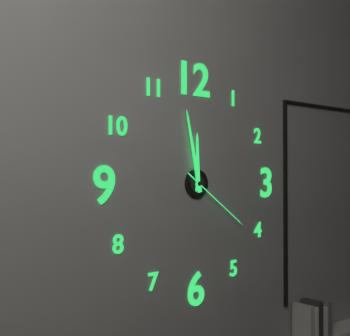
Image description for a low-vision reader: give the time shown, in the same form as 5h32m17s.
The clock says 11h58m21s
